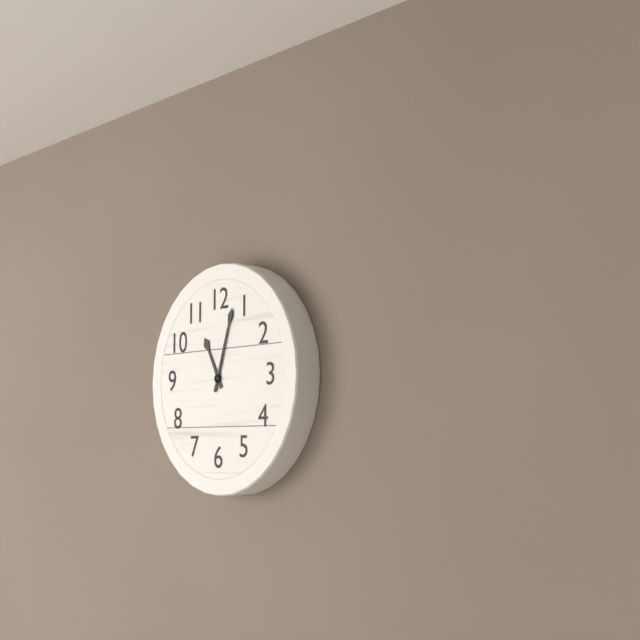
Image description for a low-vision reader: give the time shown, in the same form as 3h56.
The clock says 11h03
